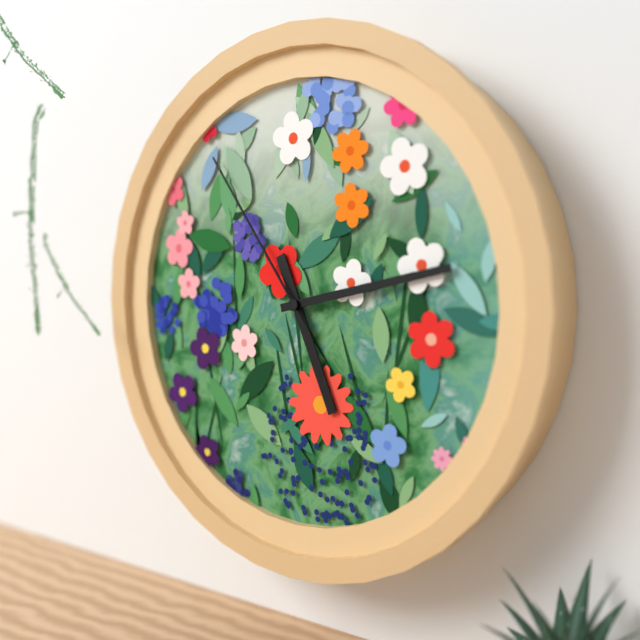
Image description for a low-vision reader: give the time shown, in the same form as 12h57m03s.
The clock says 5h13m54s
